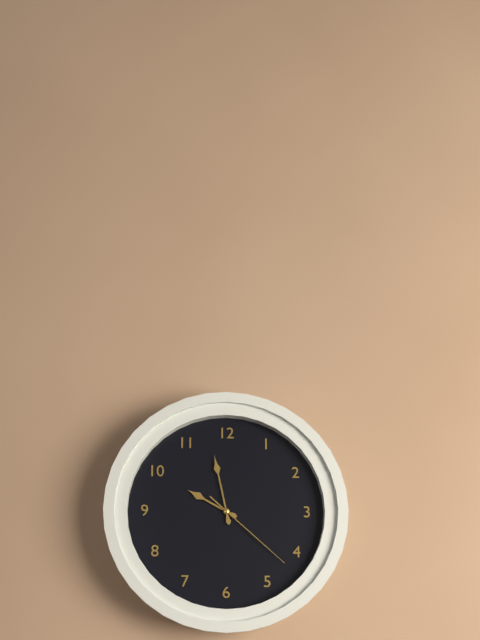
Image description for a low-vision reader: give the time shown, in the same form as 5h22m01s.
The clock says 9h58m22s
